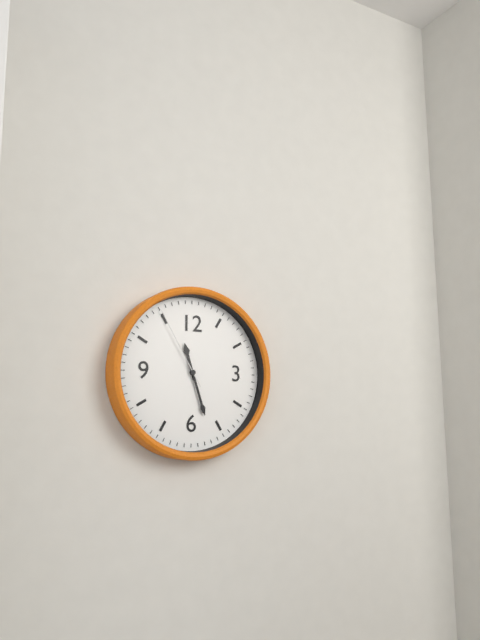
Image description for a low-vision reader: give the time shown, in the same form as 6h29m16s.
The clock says 11h27m55s
